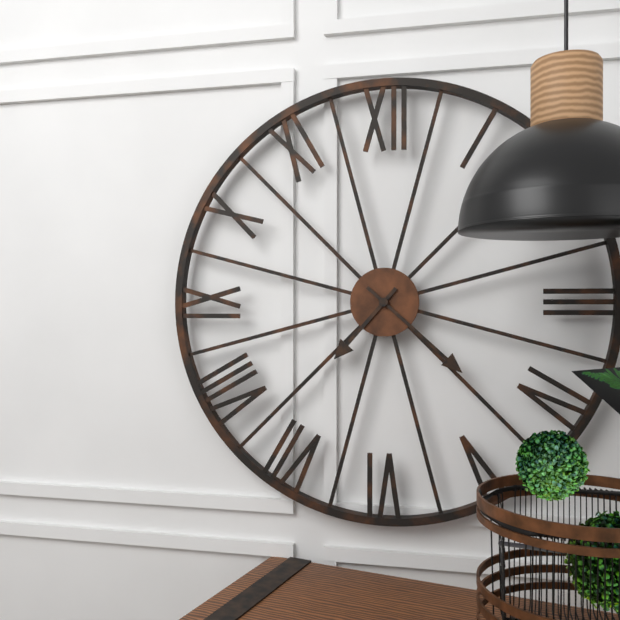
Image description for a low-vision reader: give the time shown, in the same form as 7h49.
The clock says 7h22
